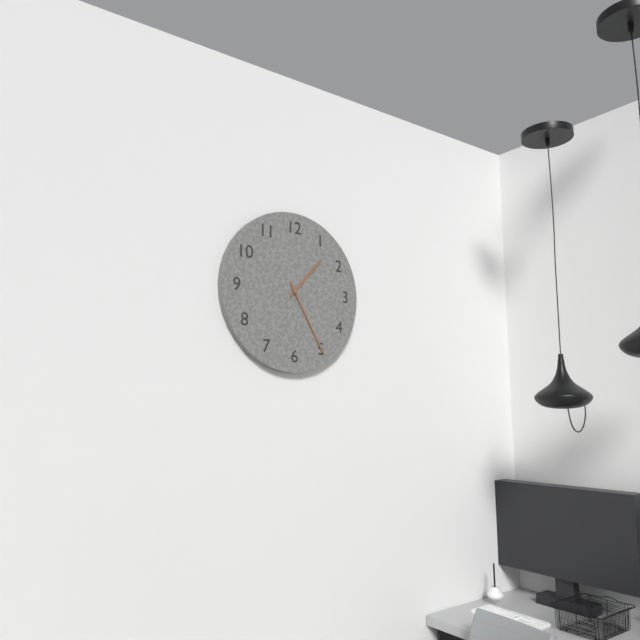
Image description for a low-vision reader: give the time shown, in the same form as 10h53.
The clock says 1h25
